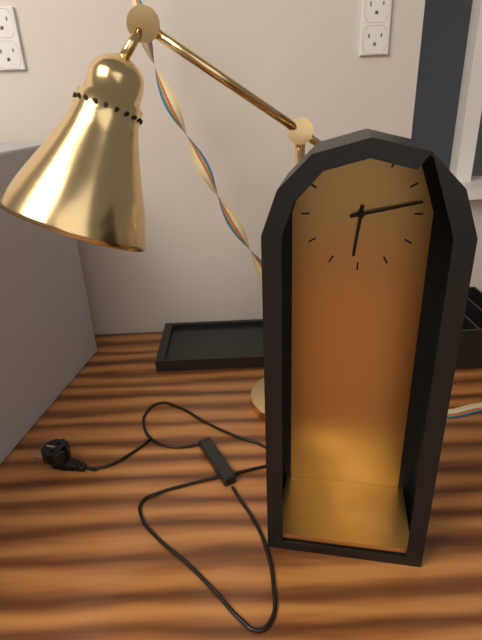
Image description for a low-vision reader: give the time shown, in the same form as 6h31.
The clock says 6h13
